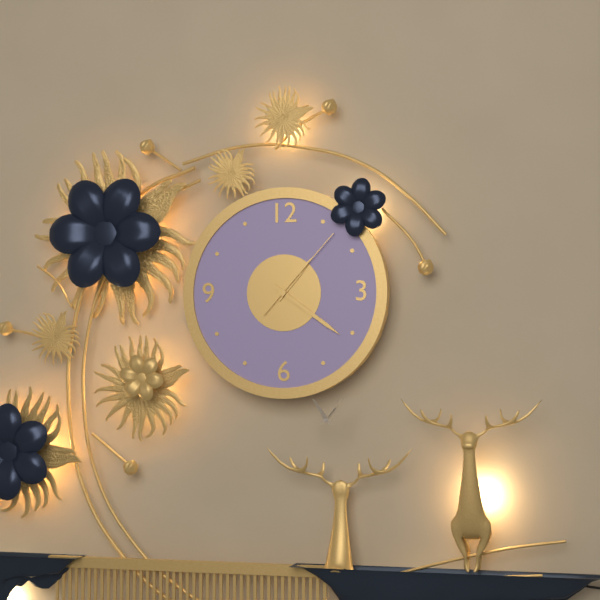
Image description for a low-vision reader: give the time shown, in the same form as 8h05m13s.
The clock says 1h21m07s
